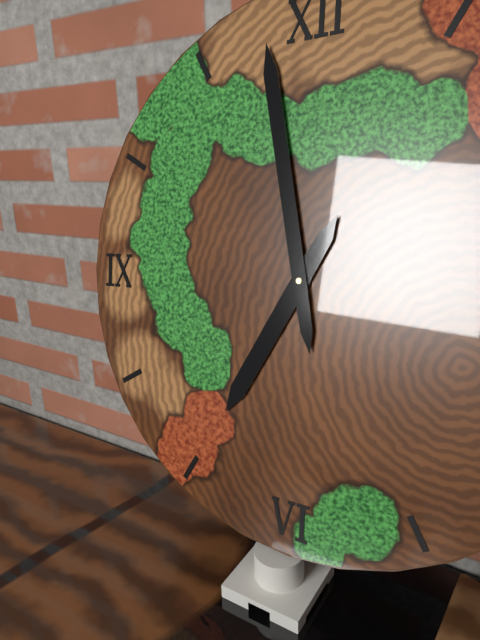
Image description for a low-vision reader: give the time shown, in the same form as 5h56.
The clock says 6h58
